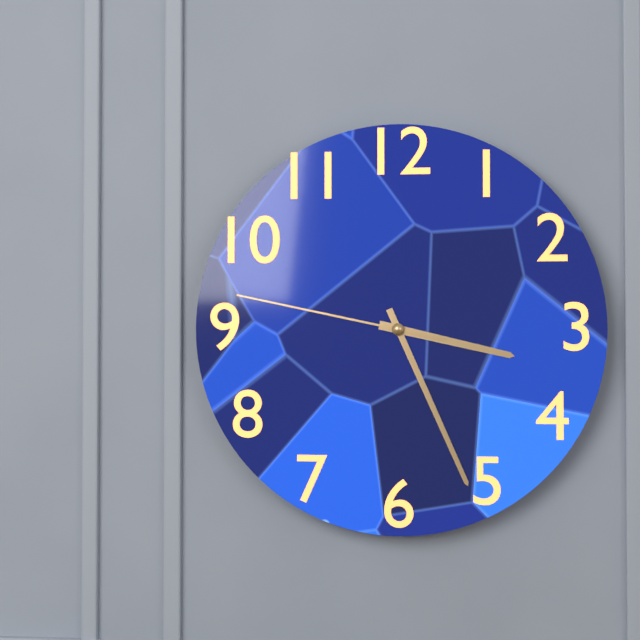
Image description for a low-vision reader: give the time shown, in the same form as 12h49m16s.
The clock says 3h26m47s
